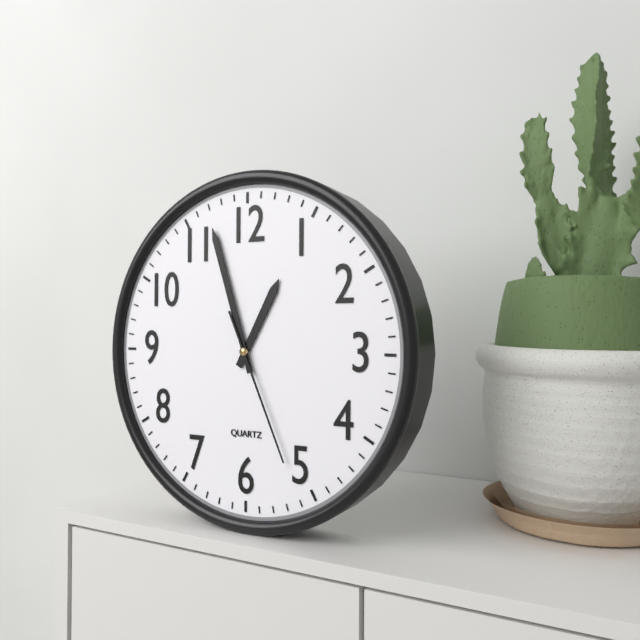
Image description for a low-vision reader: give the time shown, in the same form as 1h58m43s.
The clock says 12h57m26s
